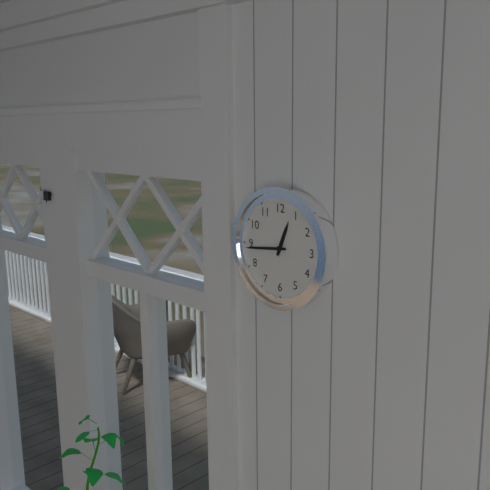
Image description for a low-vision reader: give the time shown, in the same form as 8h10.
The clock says 12h44
